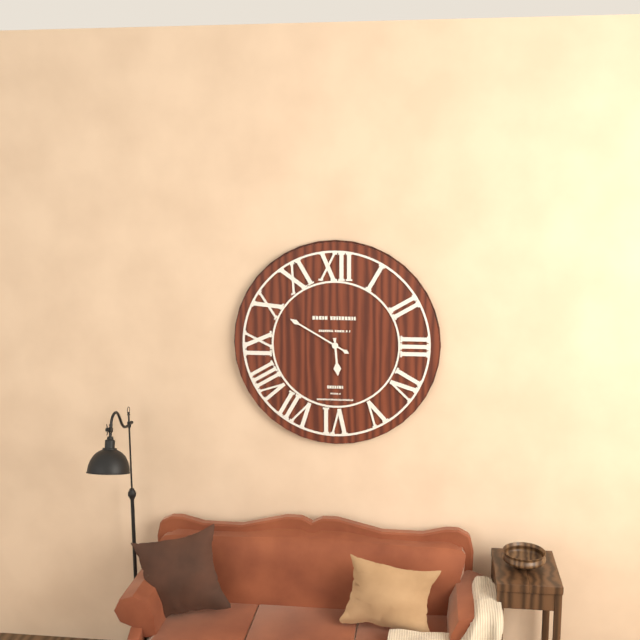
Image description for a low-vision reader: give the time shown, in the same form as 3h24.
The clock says 5h50
